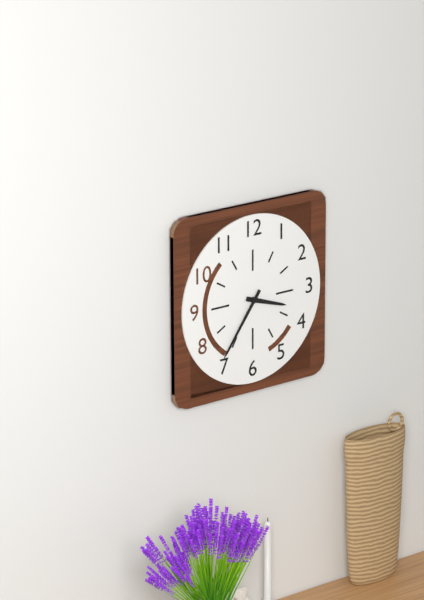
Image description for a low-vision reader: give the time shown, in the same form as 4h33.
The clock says 3h36
